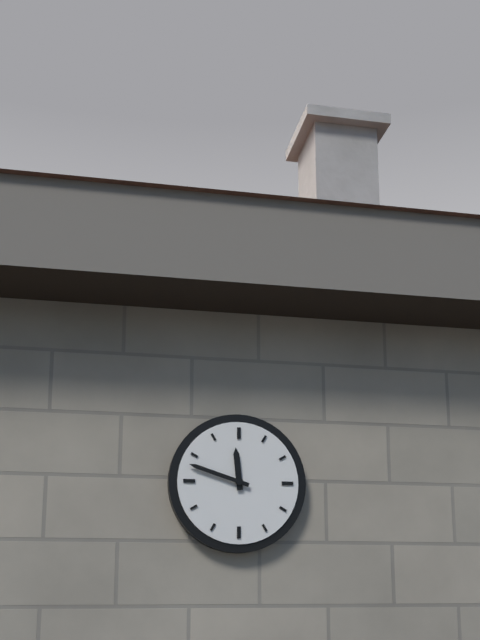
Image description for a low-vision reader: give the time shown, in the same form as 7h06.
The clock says 11h48
